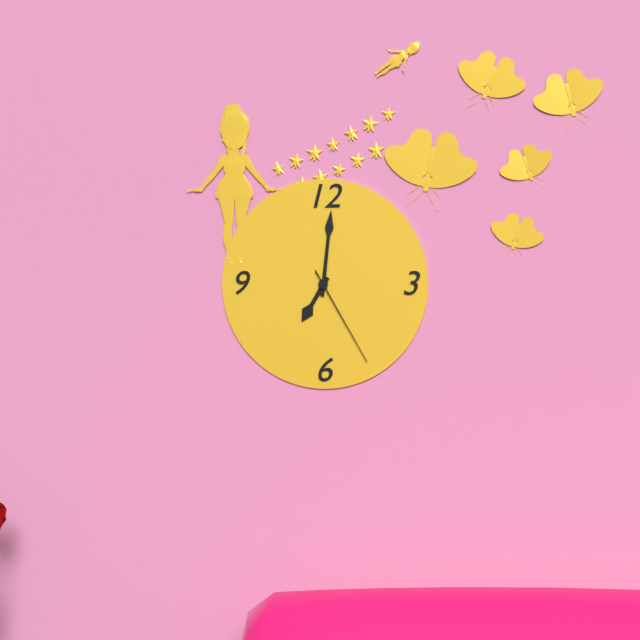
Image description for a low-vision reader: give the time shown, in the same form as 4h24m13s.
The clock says 7h01m25s
